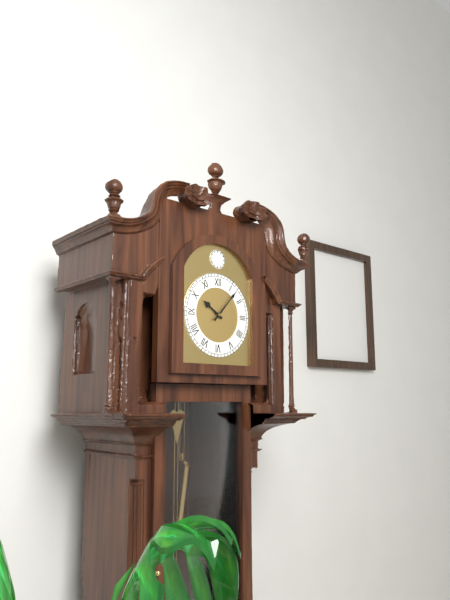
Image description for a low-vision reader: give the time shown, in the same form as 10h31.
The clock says 10h07
